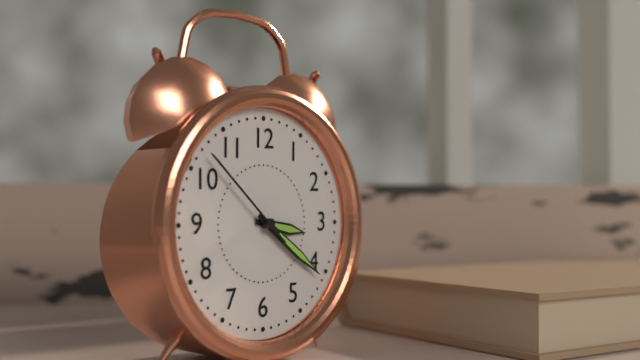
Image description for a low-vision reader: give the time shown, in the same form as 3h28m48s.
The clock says 3h21m52s
